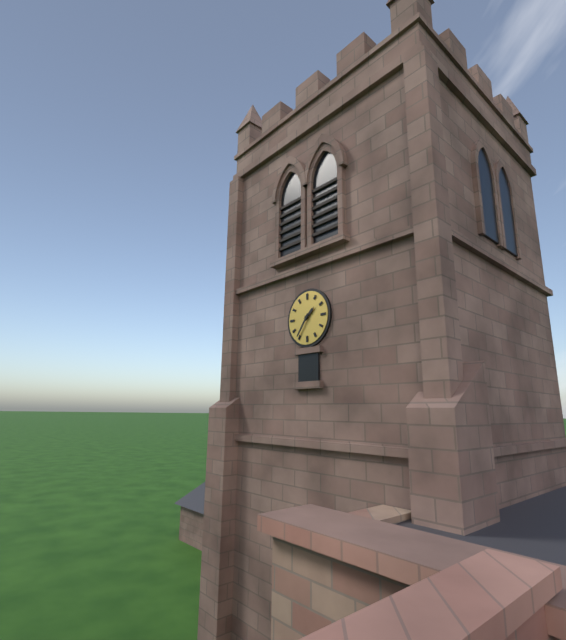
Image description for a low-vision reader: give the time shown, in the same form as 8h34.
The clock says 1h36
